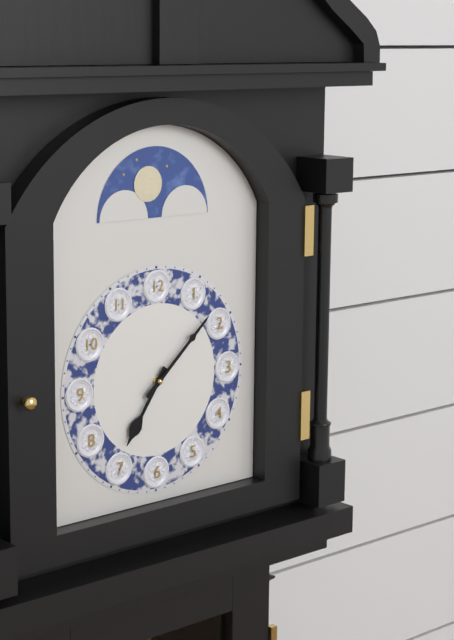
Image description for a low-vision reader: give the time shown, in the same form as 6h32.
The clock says 7h08
